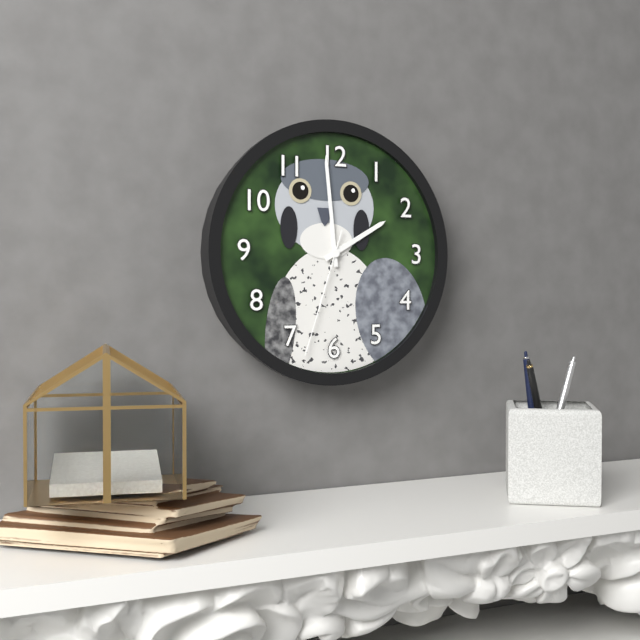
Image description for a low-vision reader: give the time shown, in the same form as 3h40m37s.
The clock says 1h59m33s
